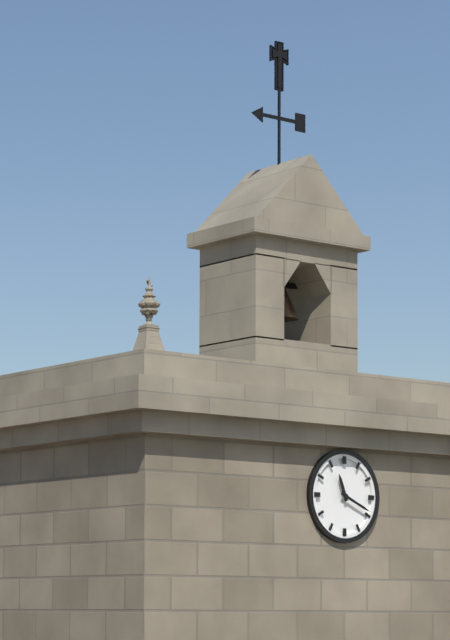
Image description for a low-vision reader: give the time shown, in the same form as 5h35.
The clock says 11h19
